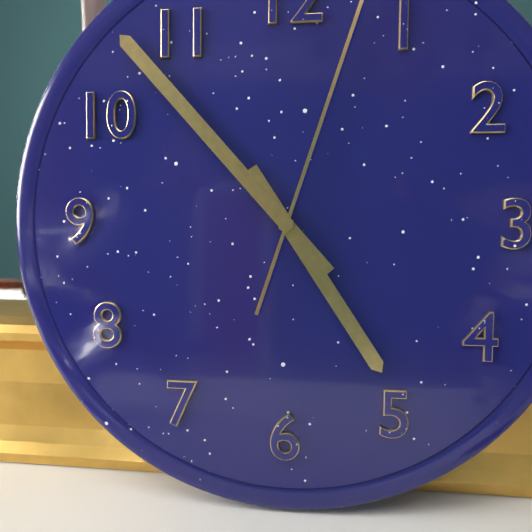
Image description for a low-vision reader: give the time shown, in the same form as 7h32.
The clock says 4h53
